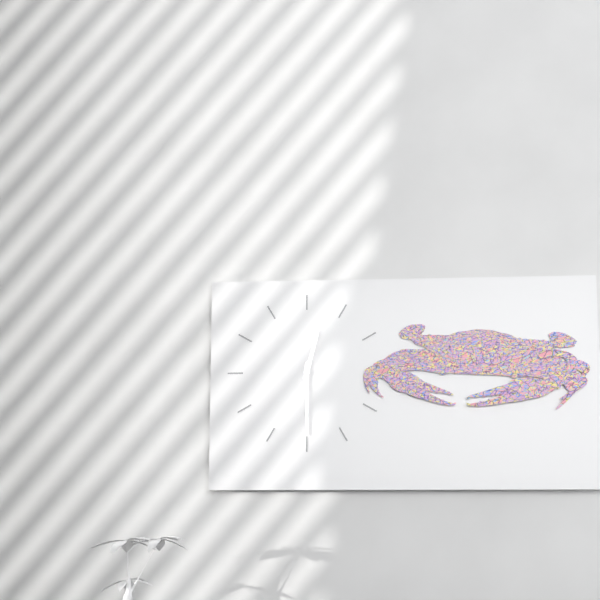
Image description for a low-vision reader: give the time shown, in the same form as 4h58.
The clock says 12h30
